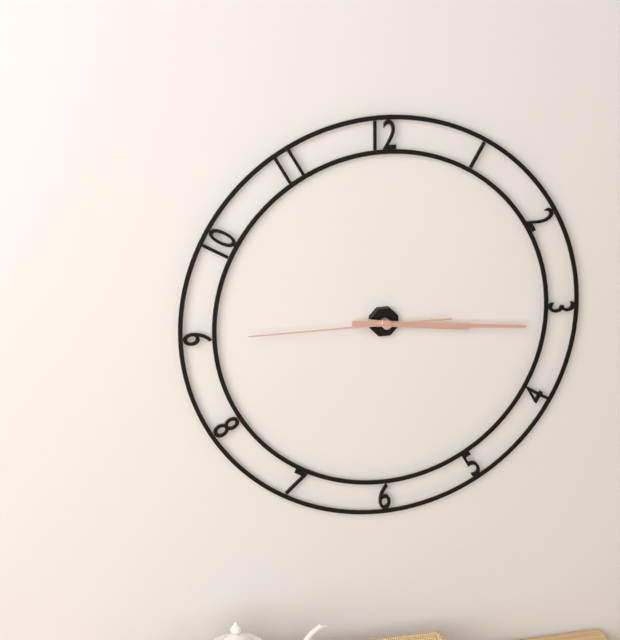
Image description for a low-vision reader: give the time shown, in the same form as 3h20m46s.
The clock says 3h16m45s
